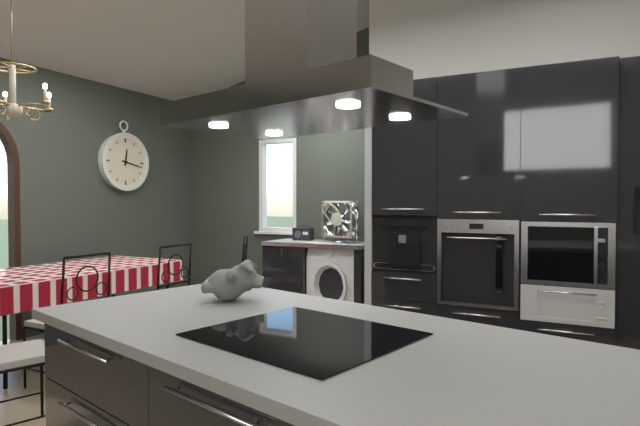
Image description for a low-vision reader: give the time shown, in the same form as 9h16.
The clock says 12h17
